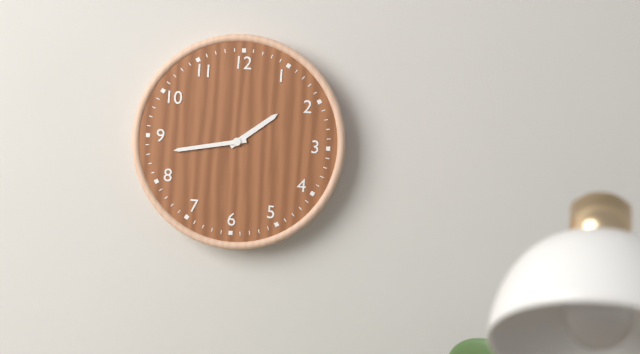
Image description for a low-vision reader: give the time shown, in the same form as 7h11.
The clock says 1h43
